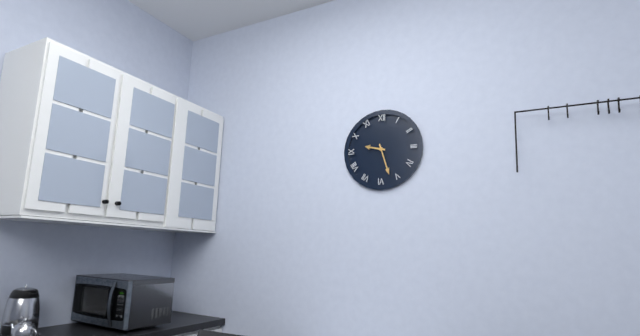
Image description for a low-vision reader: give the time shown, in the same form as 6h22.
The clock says 9h27
